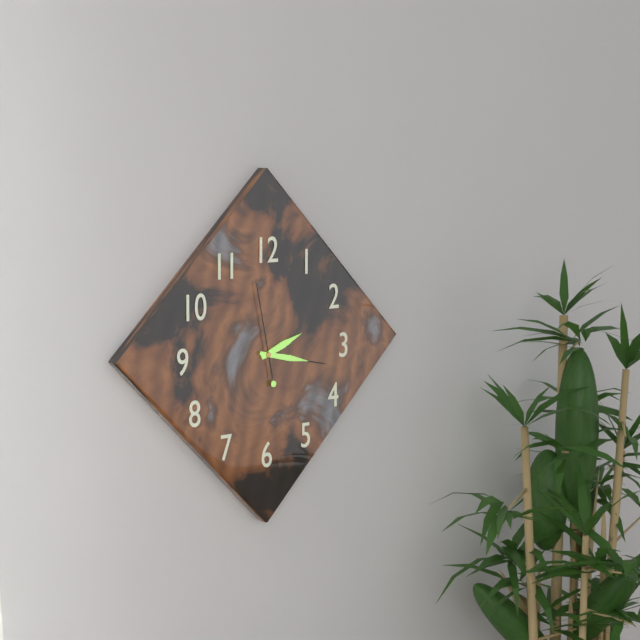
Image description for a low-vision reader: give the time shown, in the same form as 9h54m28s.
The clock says 2h17m58s
